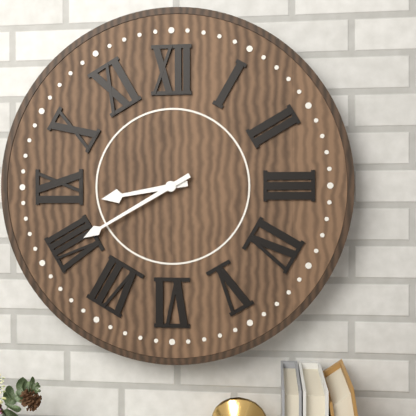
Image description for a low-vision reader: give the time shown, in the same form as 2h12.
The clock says 8h40
